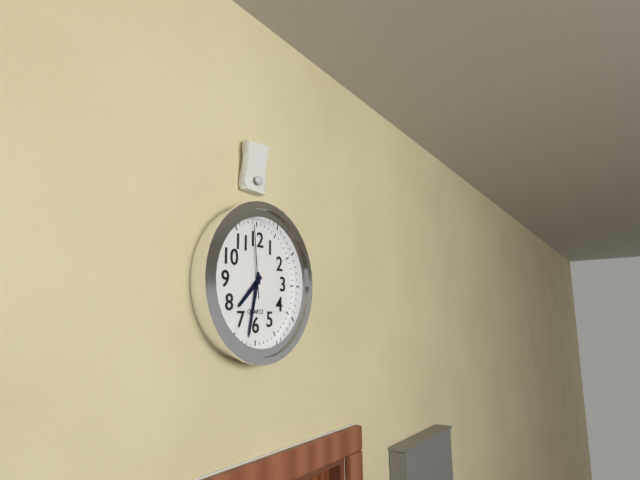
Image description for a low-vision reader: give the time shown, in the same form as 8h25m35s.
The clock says 7h32m59s
